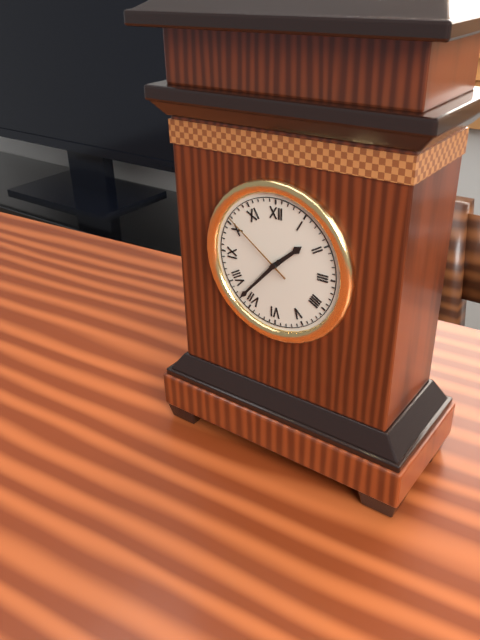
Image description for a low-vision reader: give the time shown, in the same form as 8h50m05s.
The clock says 1h37m51s
